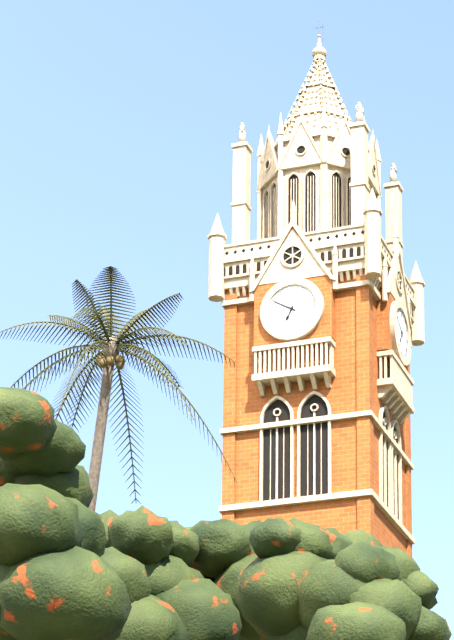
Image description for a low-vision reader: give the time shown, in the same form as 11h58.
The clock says 6h50
